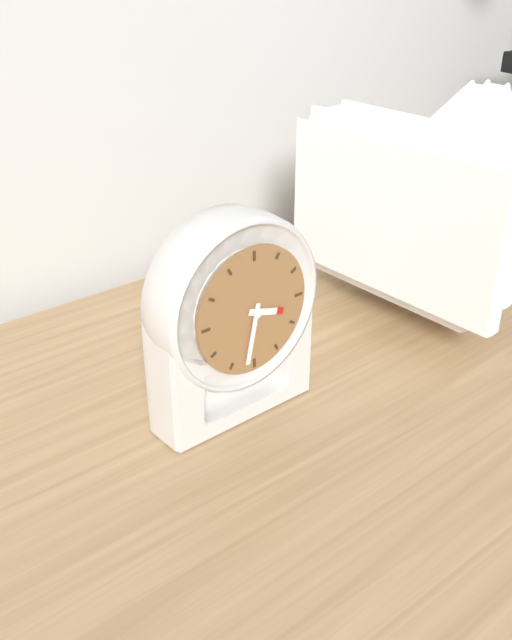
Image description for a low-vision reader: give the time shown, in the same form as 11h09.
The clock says 3h32
